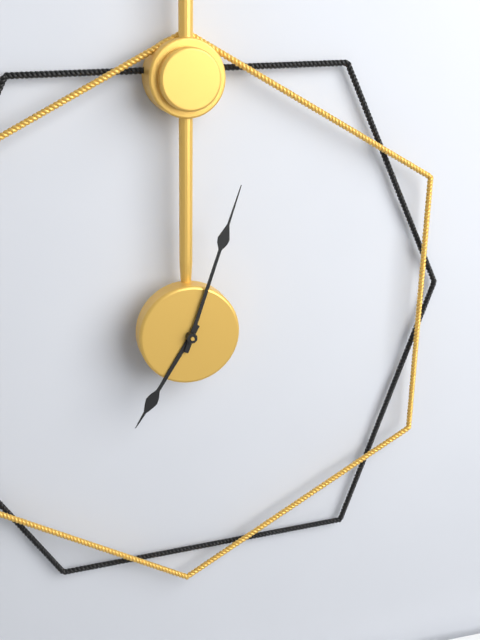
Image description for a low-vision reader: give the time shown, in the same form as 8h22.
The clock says 7h03
